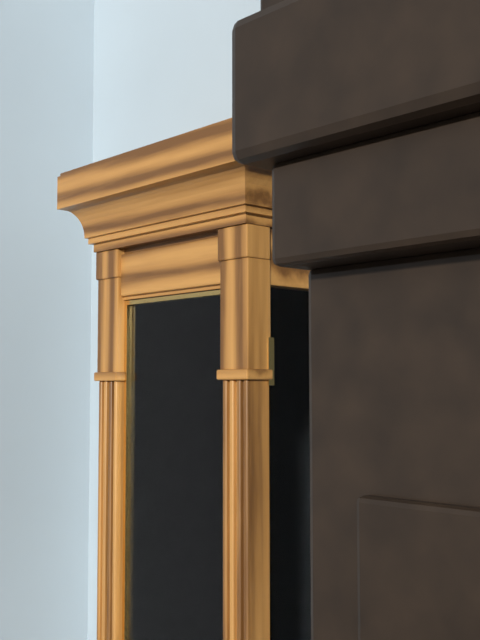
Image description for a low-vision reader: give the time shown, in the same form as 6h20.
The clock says 10h55
